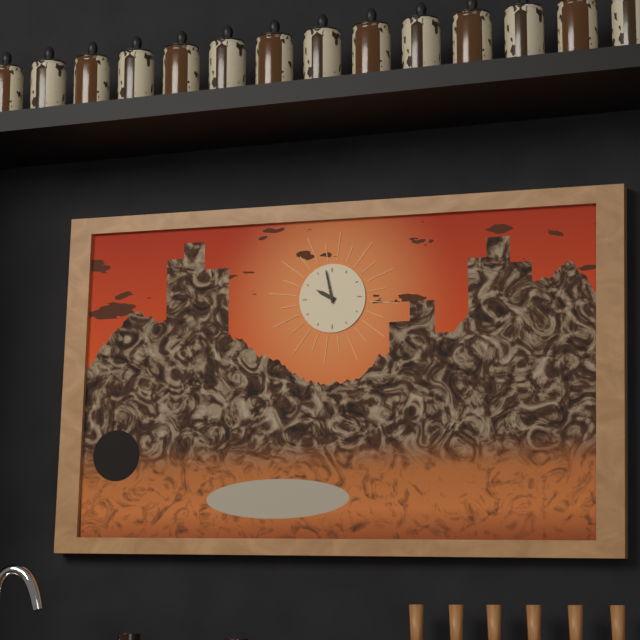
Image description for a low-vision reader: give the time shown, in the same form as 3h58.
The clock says 9h58
